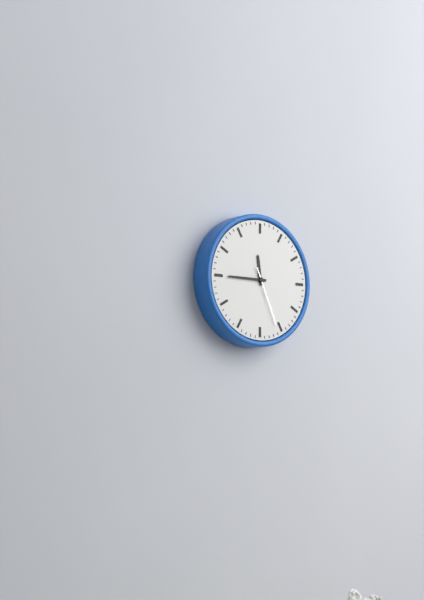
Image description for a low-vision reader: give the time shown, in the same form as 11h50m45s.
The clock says 11h45m26s
